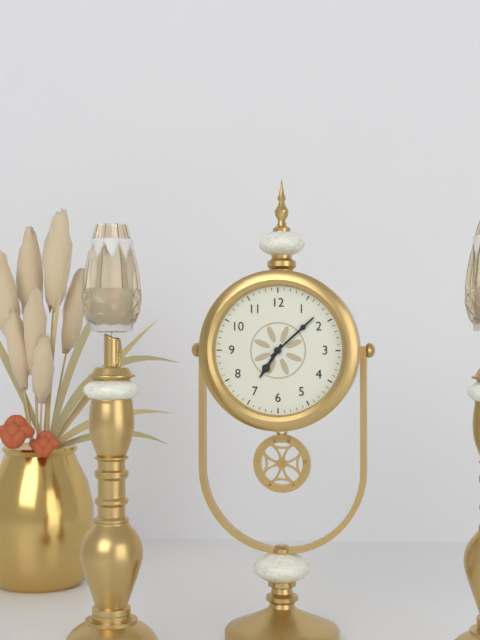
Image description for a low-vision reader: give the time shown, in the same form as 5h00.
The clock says 7h08
